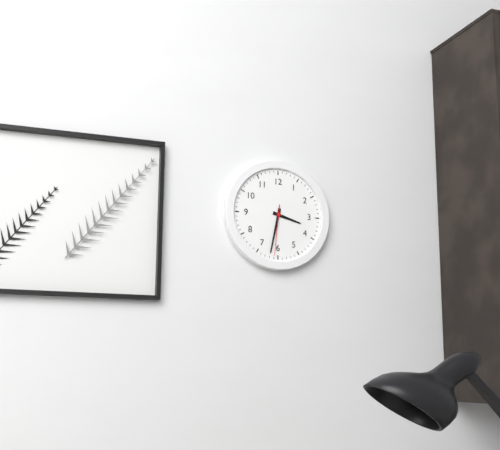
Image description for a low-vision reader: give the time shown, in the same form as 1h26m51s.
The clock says 3h32m31s
